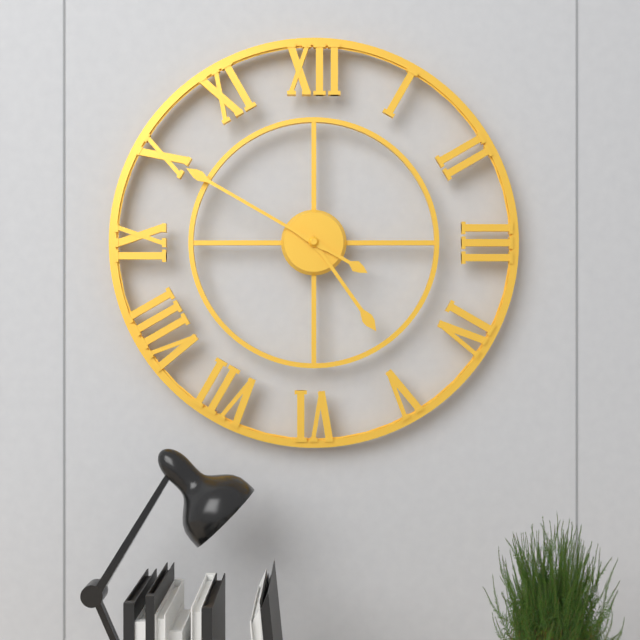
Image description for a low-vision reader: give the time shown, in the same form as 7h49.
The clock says 4h50
